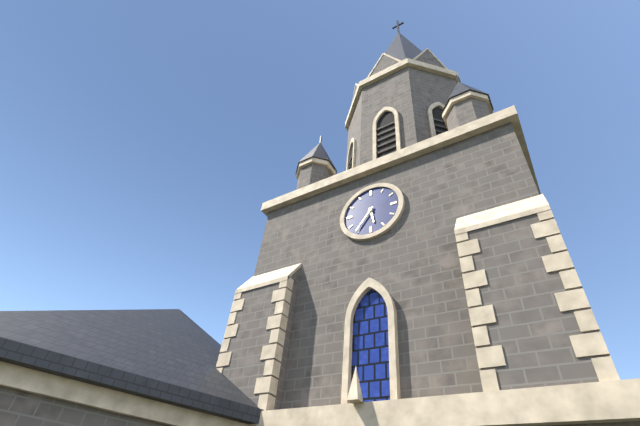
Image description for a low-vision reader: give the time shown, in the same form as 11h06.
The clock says 5h36
